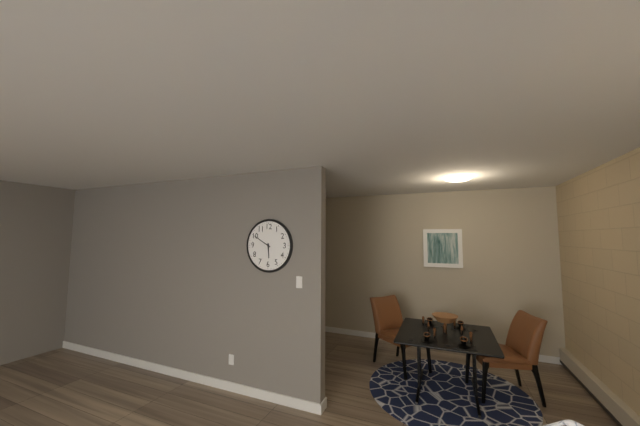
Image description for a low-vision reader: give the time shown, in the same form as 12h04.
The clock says 5h50
